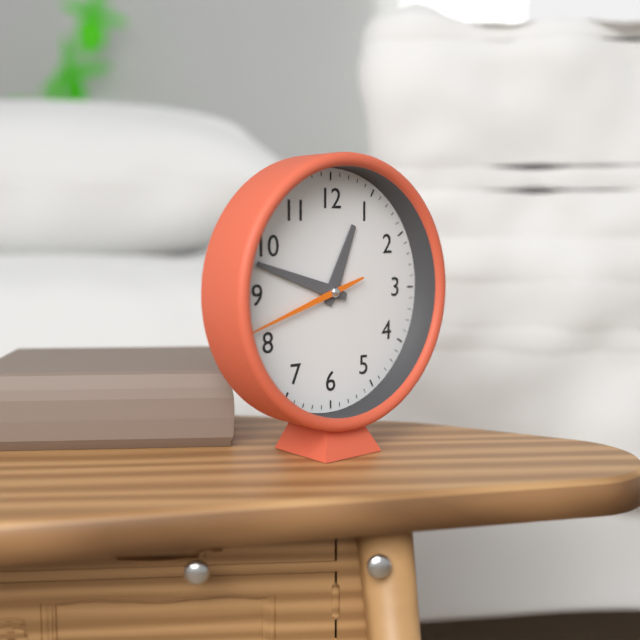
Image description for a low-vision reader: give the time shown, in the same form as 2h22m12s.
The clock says 12h48m42s
